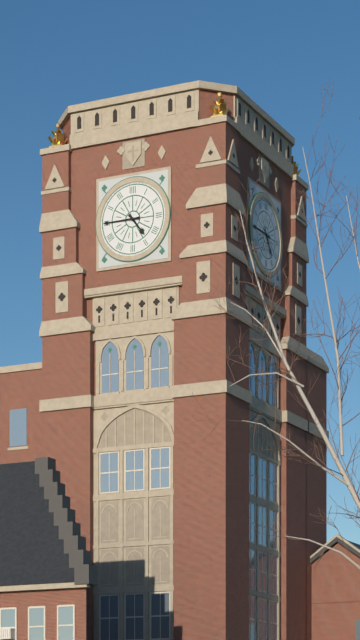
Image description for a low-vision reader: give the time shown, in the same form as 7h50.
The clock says 4h45
